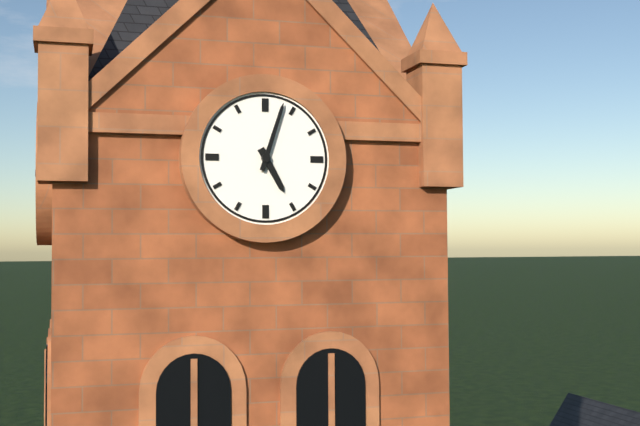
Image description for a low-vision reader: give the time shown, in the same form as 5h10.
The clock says 5h03
